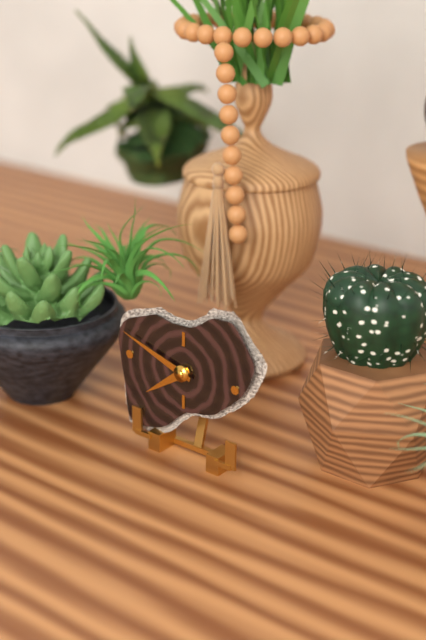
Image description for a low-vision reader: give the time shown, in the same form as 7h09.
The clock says 7h48
